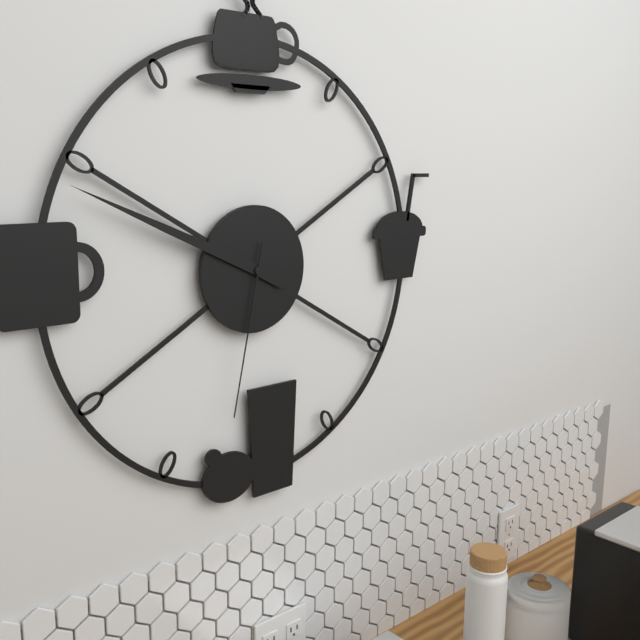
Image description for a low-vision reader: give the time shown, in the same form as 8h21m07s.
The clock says 9h49m32s
